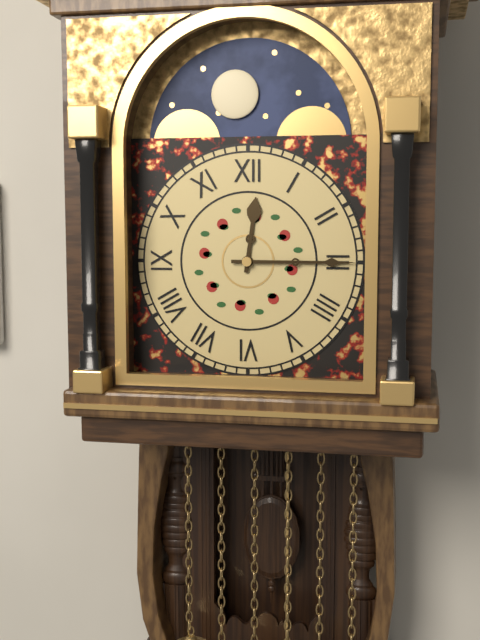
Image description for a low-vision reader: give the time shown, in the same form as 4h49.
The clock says 12h15
